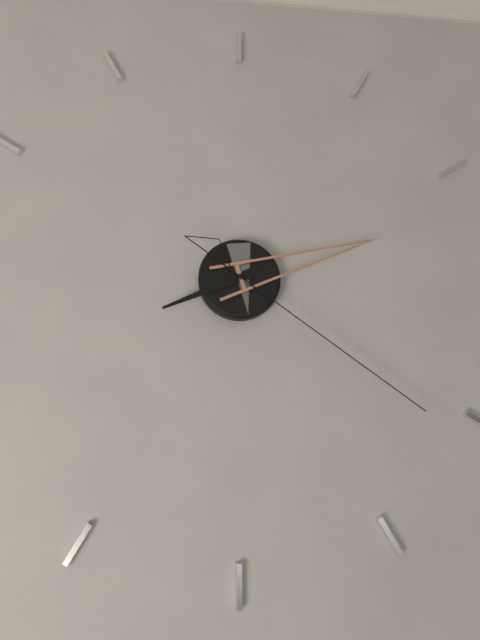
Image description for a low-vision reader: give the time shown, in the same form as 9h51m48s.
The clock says 8h12m21s
